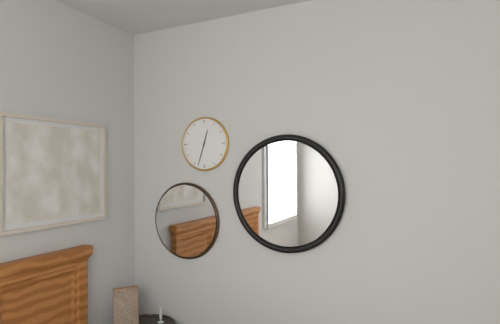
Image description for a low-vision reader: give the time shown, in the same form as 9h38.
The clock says 12h33
